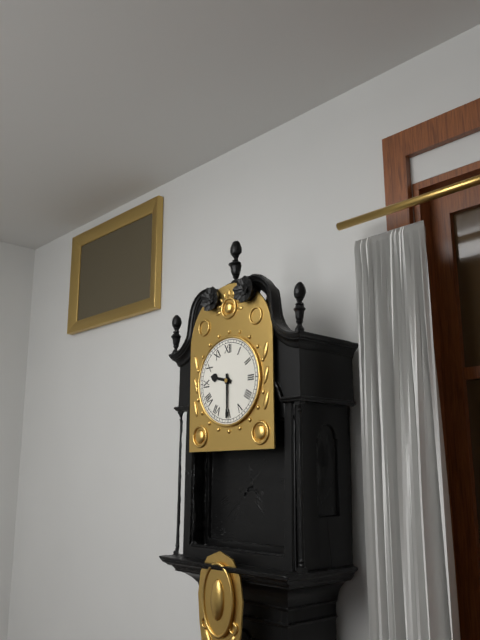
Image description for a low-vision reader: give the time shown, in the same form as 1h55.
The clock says 9h30
